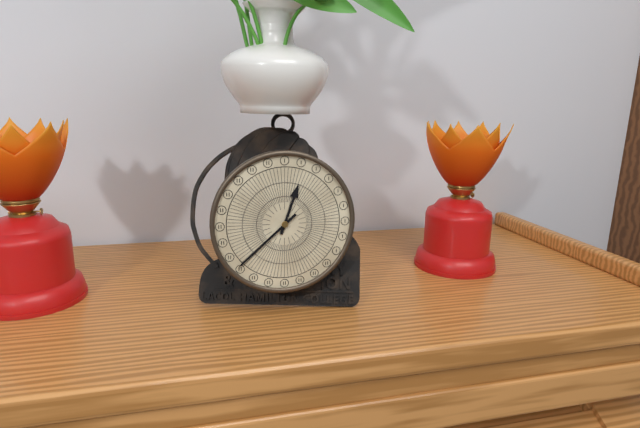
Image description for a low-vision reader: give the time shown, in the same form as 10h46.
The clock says 12h38
